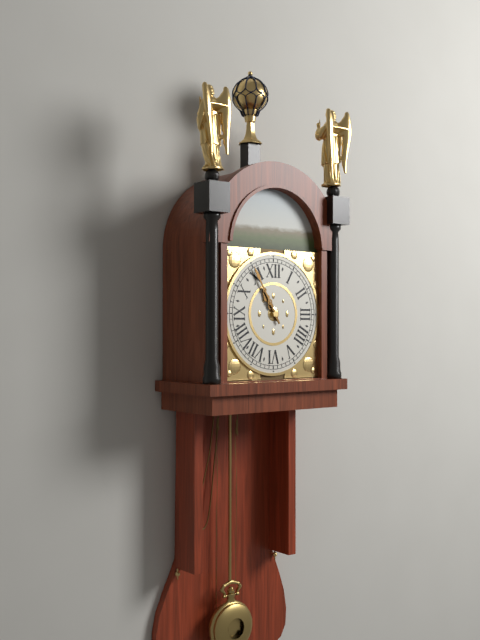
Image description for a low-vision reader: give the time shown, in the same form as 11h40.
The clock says 10h55
